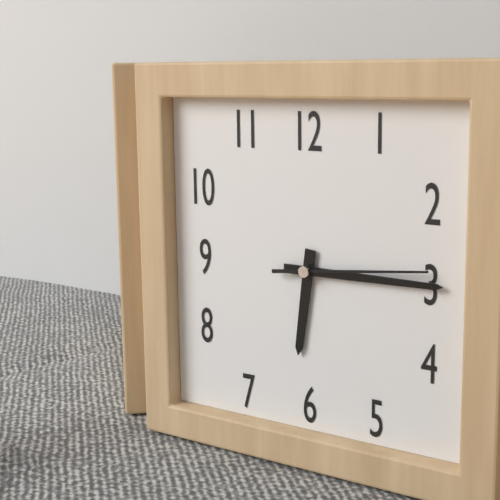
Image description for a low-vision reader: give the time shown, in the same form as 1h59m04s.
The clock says 6h15m14s
